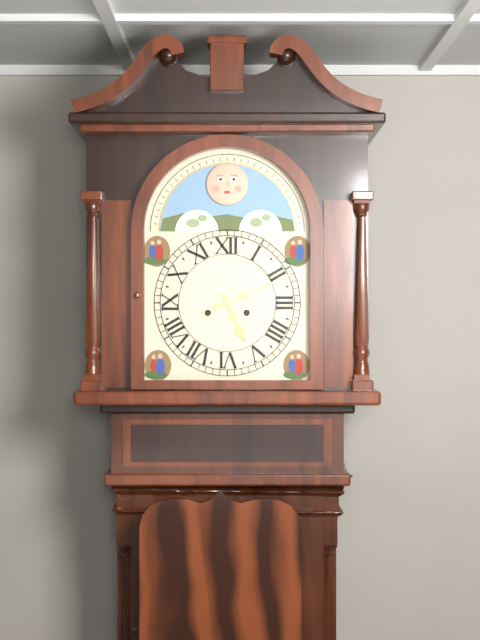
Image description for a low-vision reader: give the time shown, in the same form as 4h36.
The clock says 5h11
